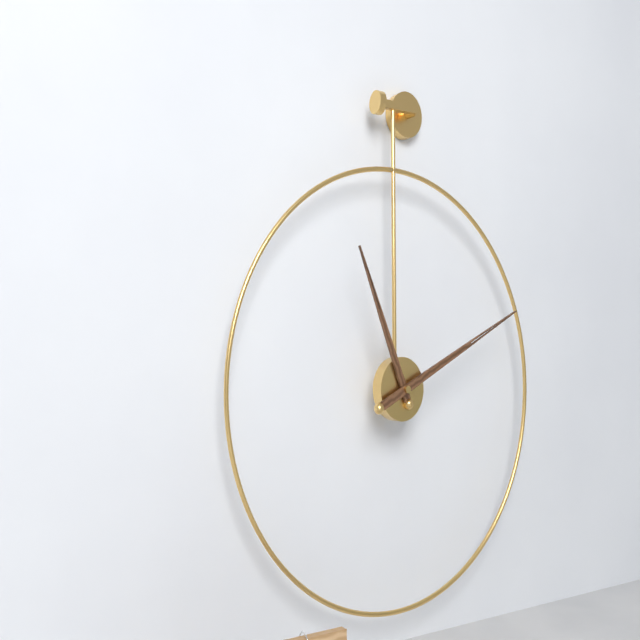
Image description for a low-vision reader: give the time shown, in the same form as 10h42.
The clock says 11h11
